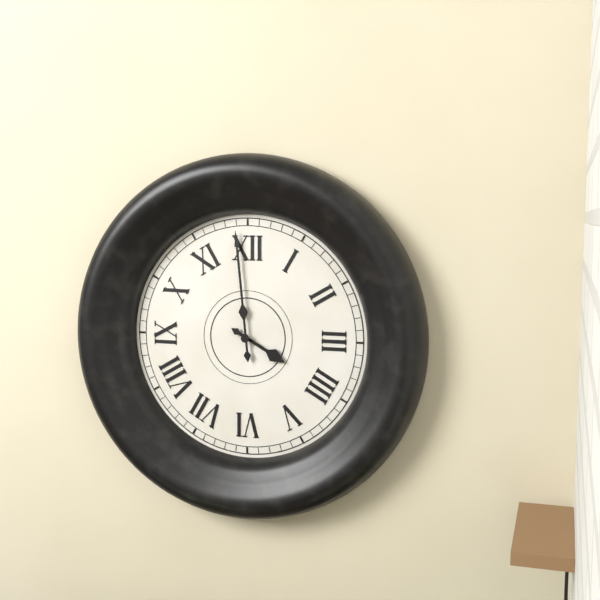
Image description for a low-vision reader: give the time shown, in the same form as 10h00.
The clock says 3h59
